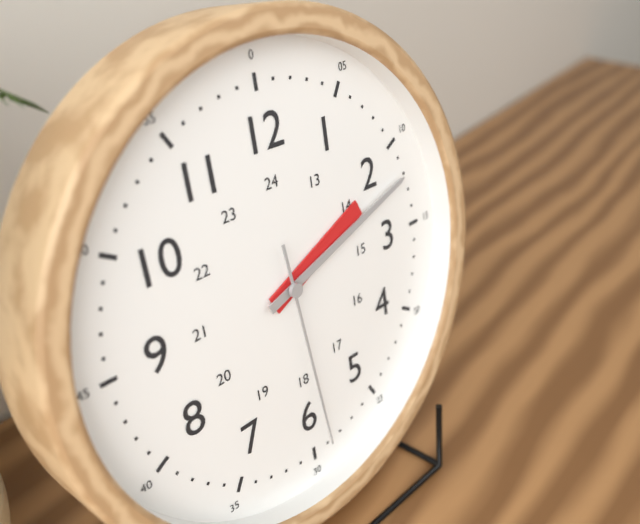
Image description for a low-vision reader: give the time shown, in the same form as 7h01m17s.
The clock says 2h12m29s
